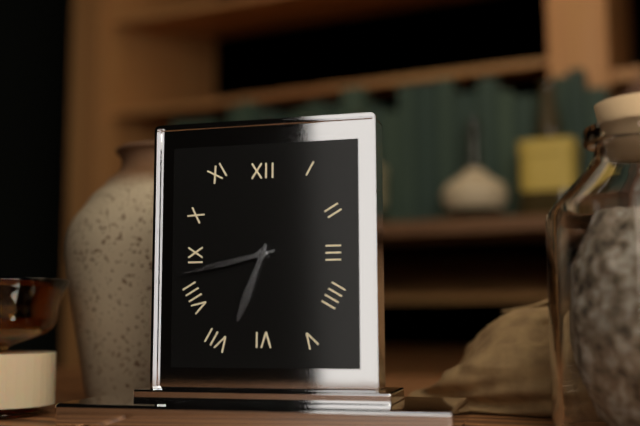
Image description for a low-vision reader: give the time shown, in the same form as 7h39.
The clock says 6h43
